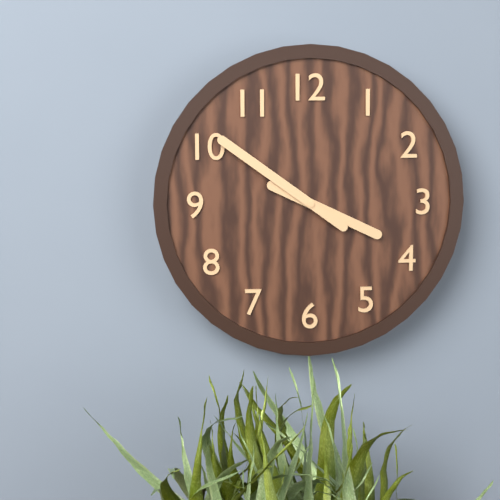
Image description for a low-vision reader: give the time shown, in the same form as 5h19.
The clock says 3h51
